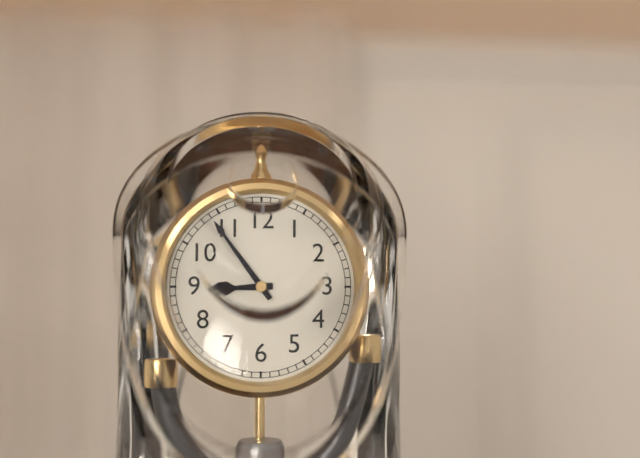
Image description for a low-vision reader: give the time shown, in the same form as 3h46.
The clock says 8h54
